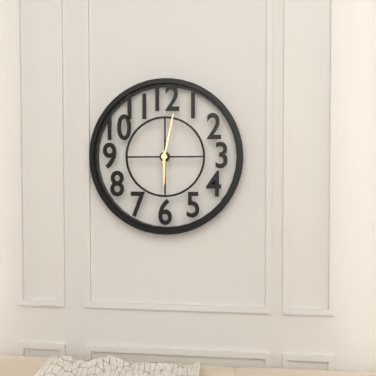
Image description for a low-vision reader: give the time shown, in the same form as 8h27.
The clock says 6h02
